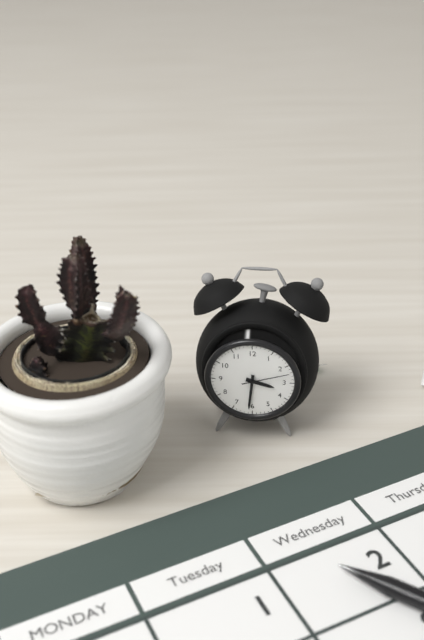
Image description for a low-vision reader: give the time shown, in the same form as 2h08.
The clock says 3h31
